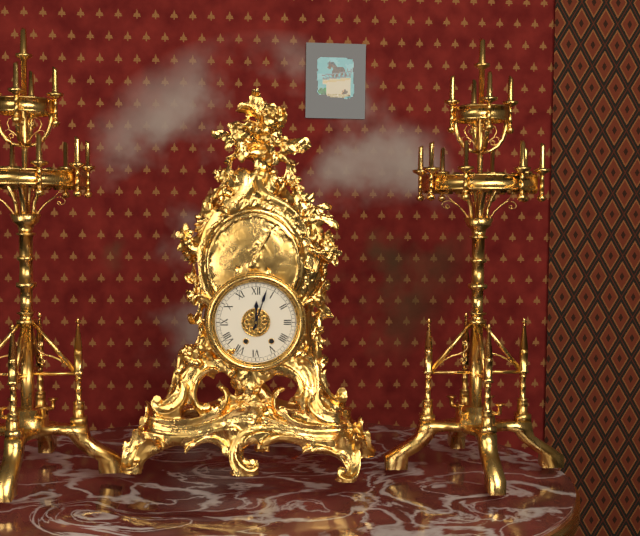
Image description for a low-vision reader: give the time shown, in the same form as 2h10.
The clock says 12h03
